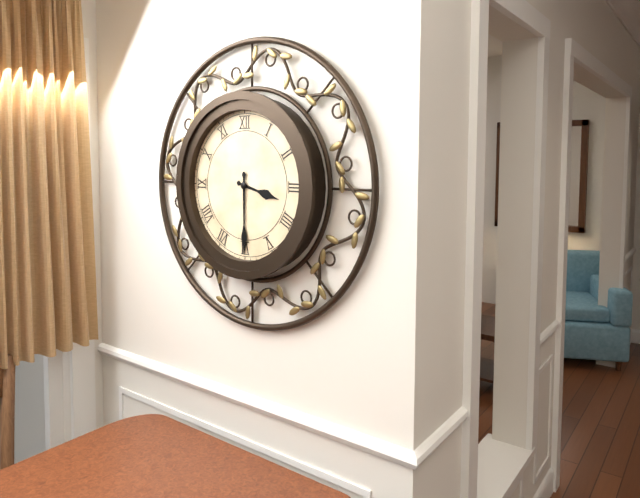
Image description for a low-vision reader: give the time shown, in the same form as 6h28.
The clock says 3h30
